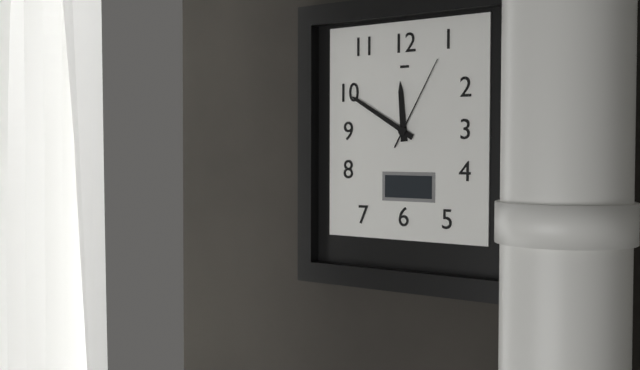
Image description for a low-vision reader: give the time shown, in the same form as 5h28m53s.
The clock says 11h50m05s
